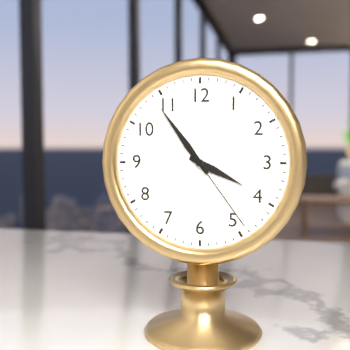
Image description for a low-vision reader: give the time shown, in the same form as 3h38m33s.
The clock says 3h54m24s
